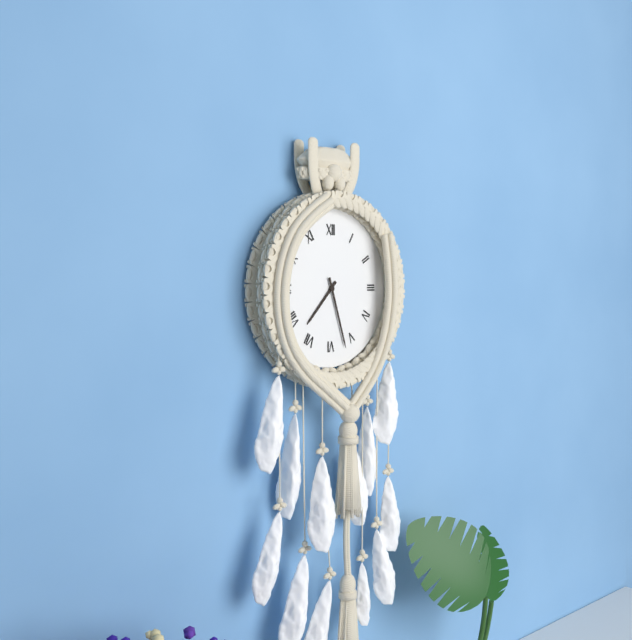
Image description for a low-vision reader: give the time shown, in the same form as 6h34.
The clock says 7h27
